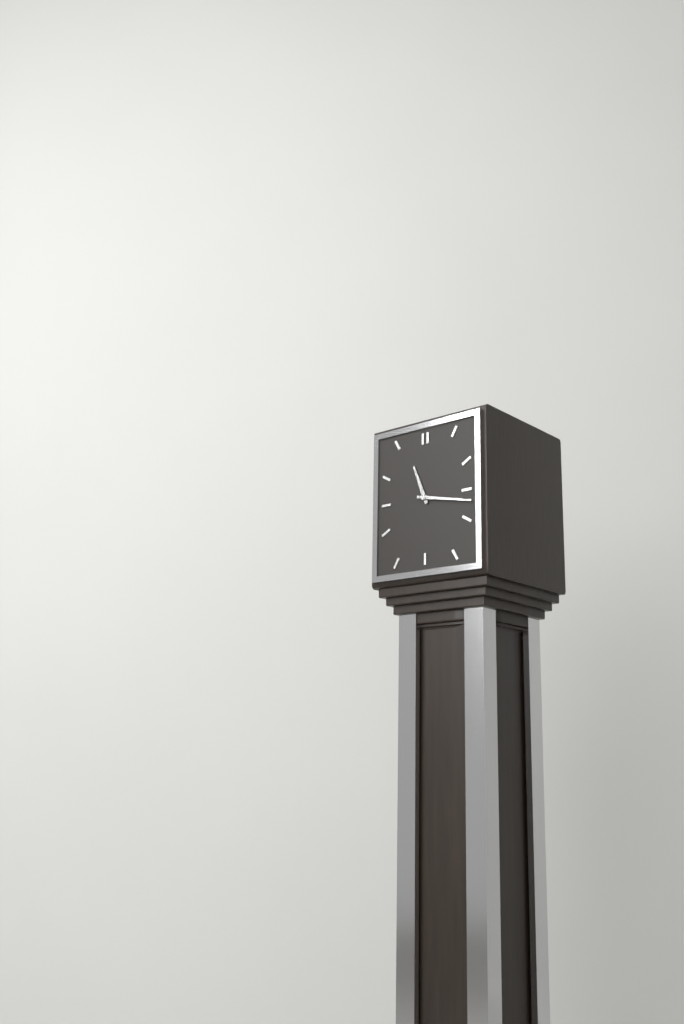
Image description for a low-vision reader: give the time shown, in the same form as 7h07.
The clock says 11h17
